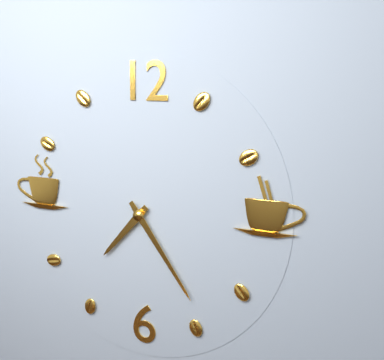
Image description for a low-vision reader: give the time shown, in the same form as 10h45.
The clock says 7h24
